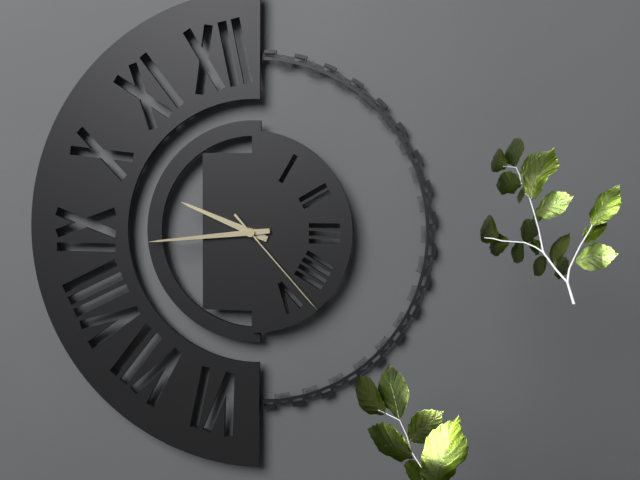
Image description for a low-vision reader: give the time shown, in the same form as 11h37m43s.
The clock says 9h44m23s
